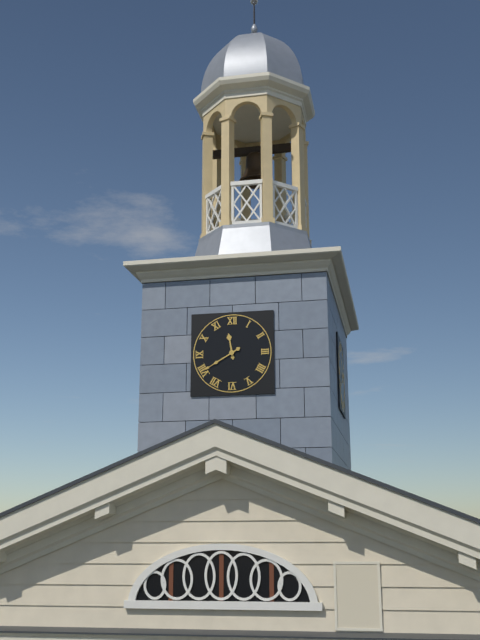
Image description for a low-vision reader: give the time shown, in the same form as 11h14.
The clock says 11h40
